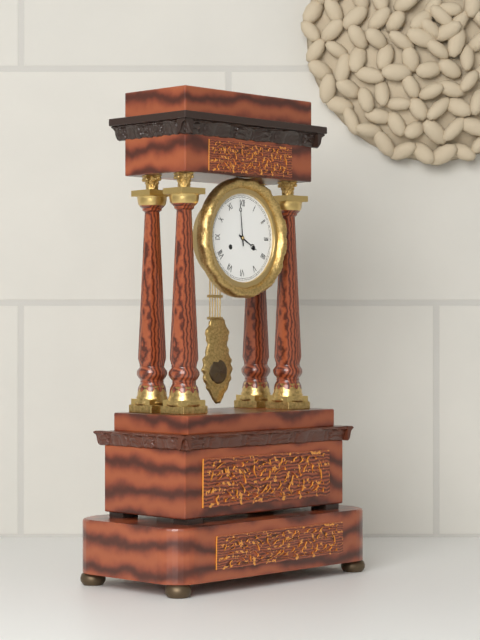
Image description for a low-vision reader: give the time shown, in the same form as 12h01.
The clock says 3h59
